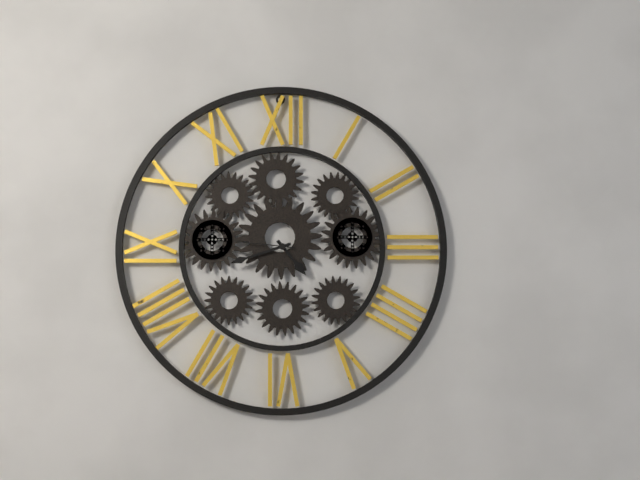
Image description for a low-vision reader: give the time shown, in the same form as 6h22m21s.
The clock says 4h42m46s
